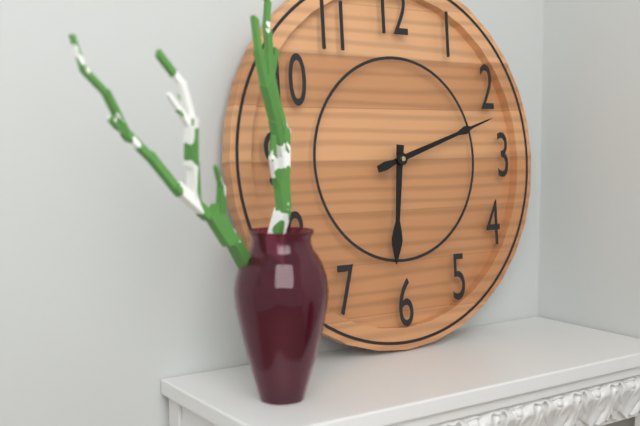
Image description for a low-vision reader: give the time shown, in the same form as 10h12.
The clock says 6h12
